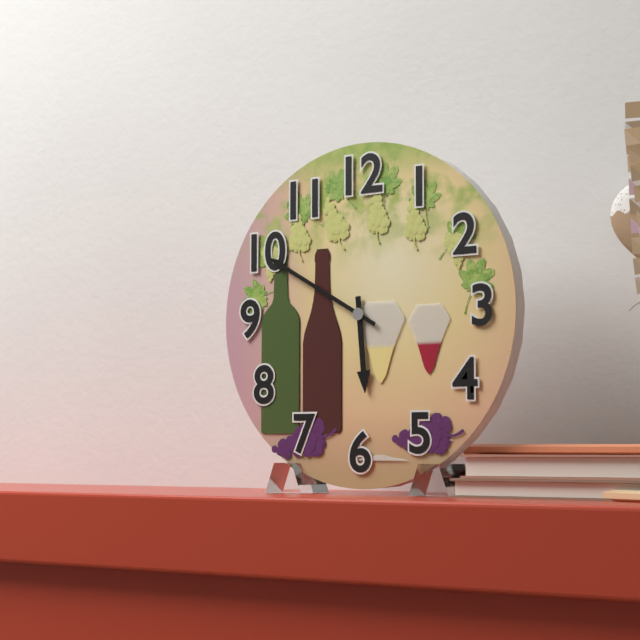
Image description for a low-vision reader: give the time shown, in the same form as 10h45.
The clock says 5h50
